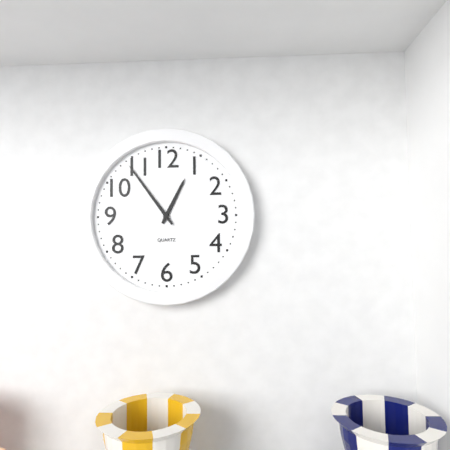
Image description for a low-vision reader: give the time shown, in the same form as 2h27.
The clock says 12h54
